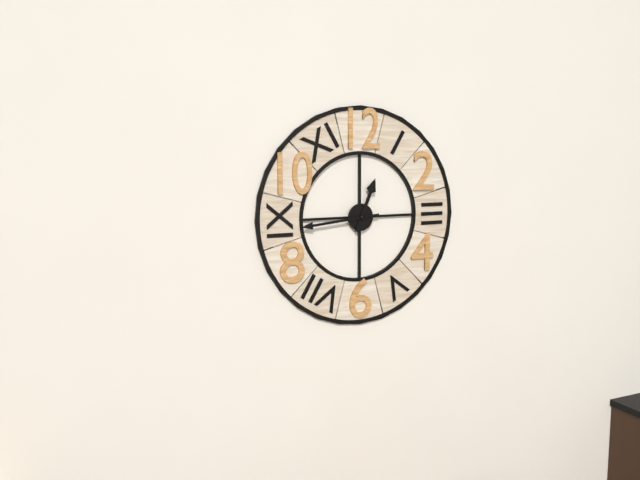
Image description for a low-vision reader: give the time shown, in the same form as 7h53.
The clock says 12h44
